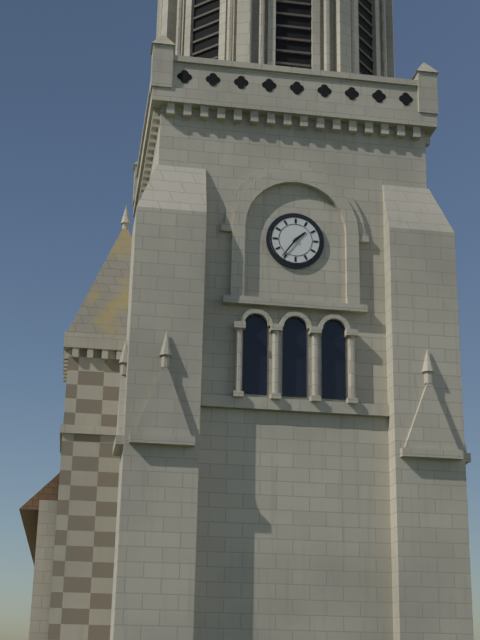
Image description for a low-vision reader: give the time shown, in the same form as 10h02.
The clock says 1h36
